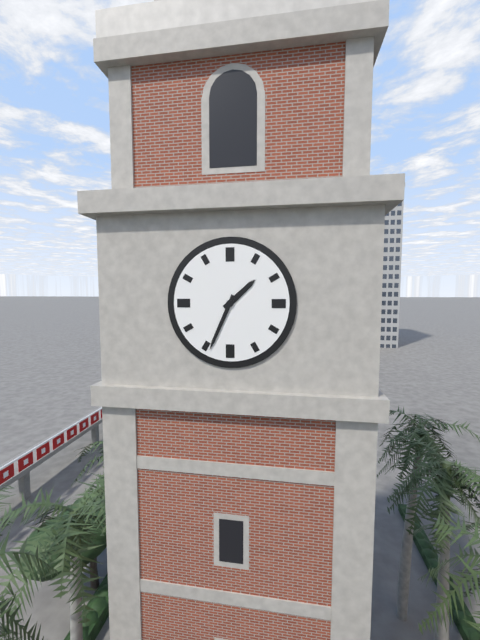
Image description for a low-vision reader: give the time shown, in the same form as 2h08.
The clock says 1h34
